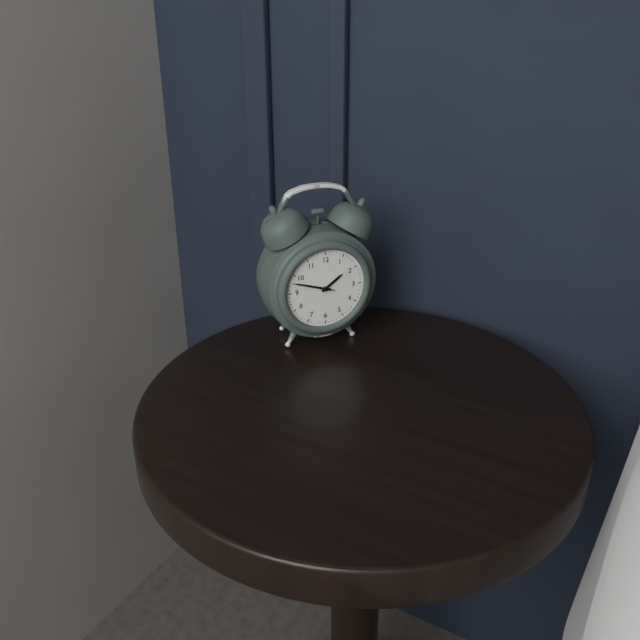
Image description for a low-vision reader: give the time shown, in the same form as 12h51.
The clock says 1h48
